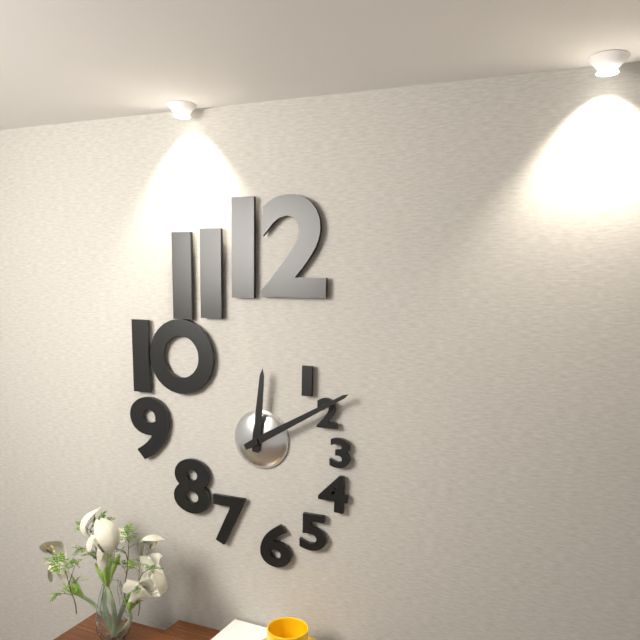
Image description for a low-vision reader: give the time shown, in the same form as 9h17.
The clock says 12h10
